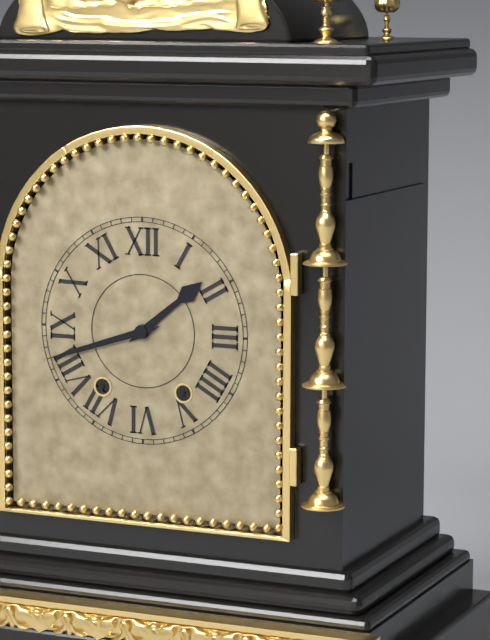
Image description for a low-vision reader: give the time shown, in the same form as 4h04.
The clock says 1h42
